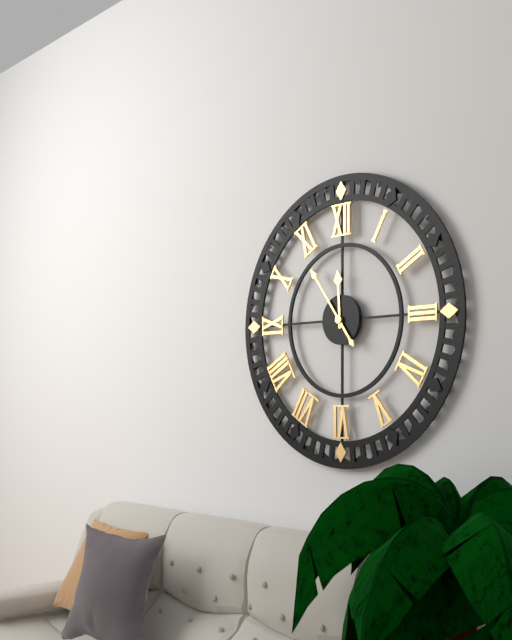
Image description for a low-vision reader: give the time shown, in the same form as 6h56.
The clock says 11h54
